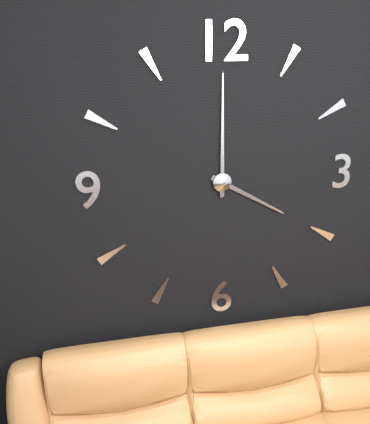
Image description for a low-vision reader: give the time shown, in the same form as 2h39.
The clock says 4h00
